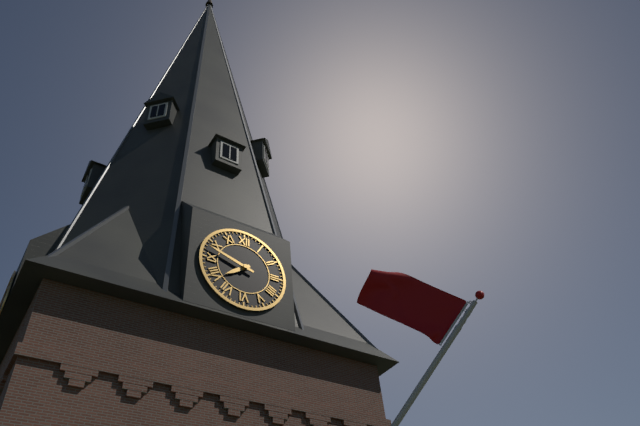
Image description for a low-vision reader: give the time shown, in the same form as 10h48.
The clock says 7h48
